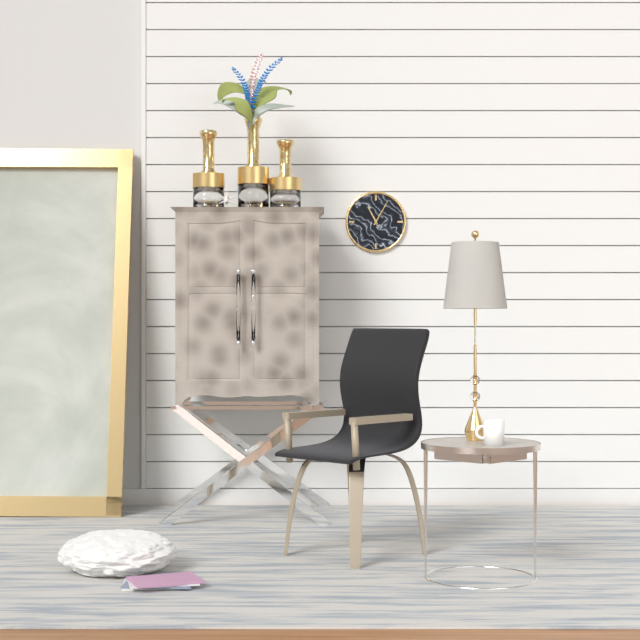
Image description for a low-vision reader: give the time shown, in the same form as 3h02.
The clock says 11h05
